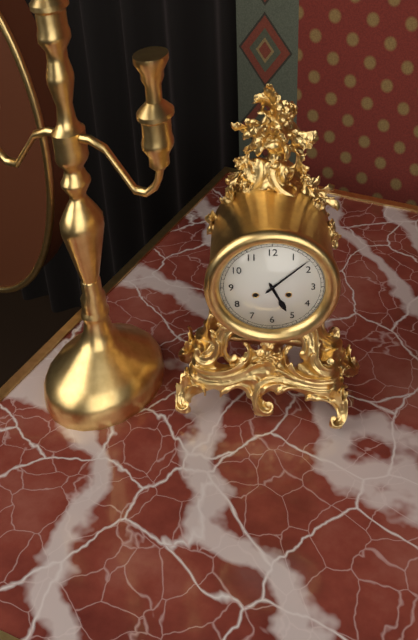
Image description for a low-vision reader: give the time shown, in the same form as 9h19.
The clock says 5h08
